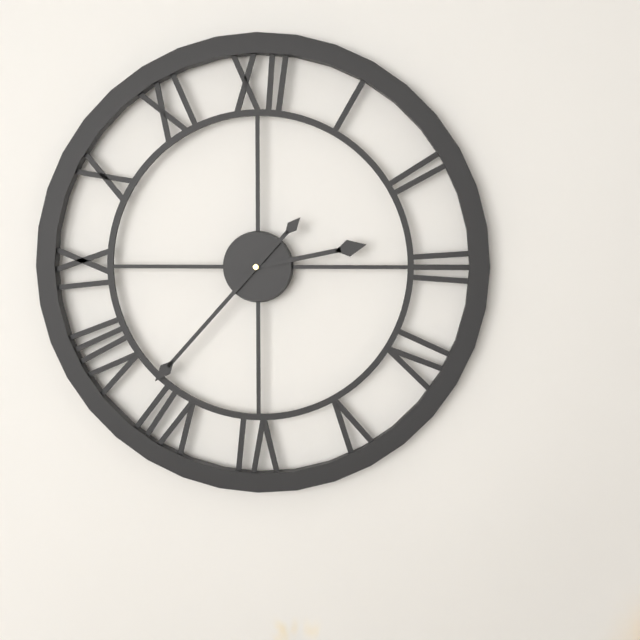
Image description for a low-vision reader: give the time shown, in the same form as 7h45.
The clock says 2h37
